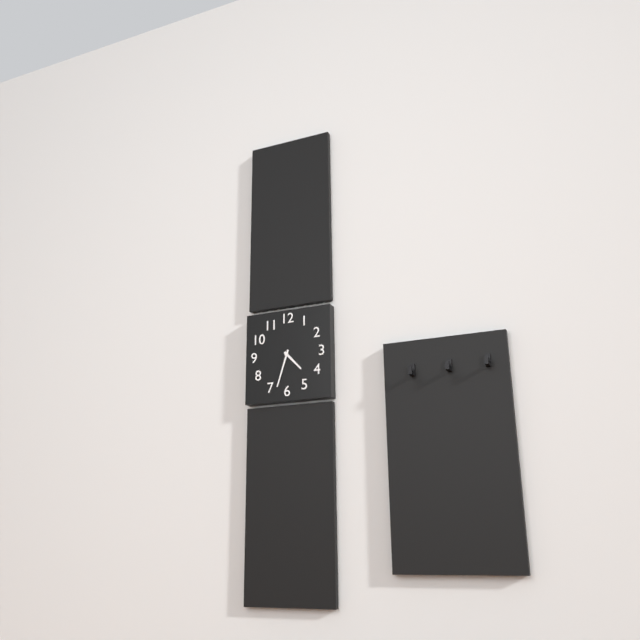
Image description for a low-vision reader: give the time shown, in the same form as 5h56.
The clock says 4h33
